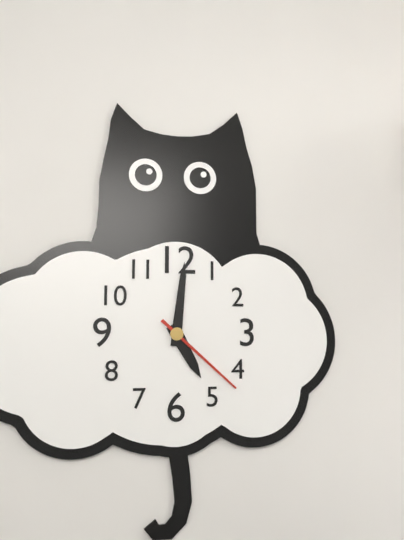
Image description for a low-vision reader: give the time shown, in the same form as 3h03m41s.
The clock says 5h01m22s
